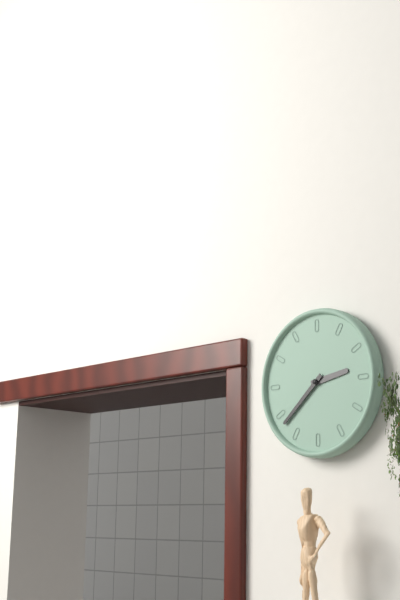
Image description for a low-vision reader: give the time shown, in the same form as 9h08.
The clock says 2h38
